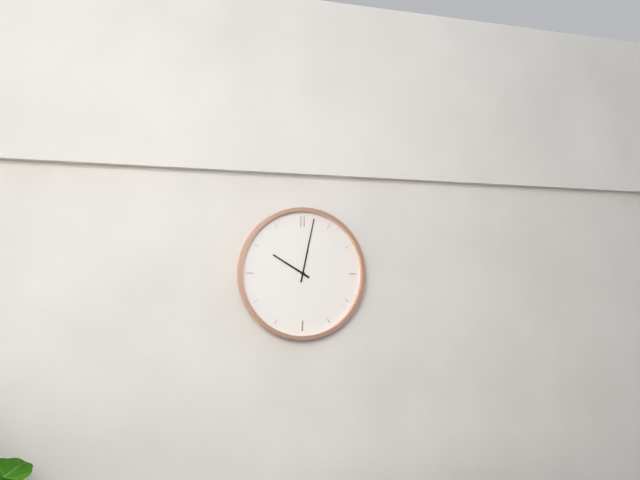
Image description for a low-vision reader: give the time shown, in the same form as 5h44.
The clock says 10h02
